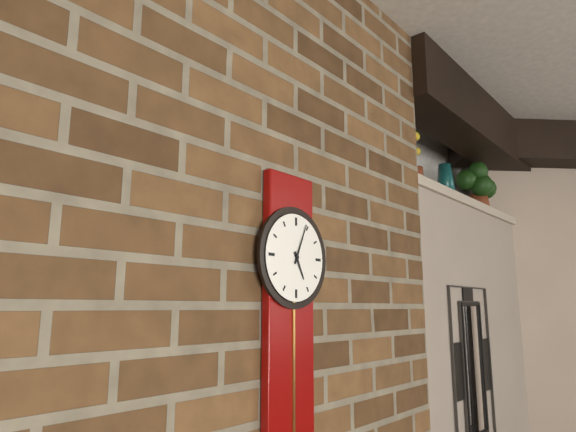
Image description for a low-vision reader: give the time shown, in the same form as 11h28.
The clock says 5h04
